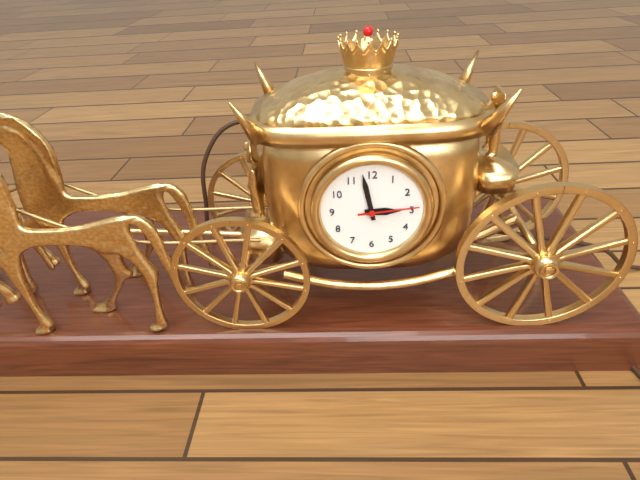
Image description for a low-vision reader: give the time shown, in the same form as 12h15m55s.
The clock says 2h58m14s
